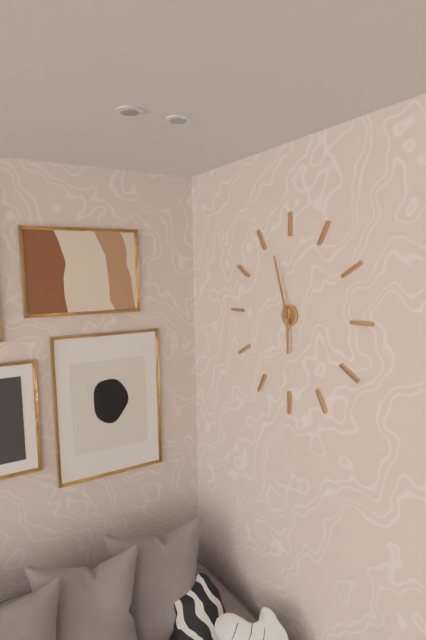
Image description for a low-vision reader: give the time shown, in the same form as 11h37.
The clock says 5h57
